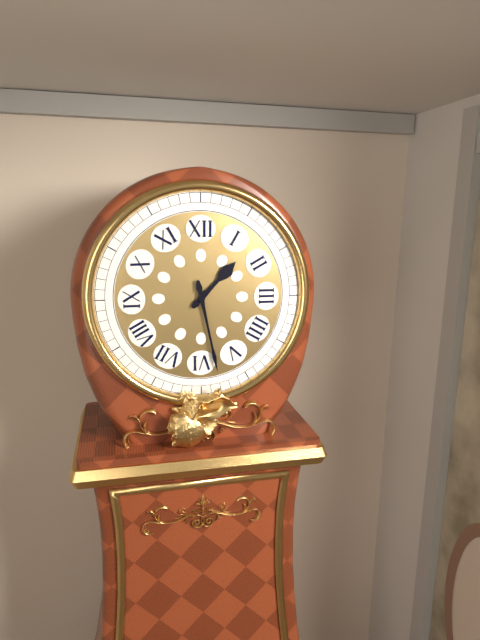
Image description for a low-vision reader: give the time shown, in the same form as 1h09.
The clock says 1h28
